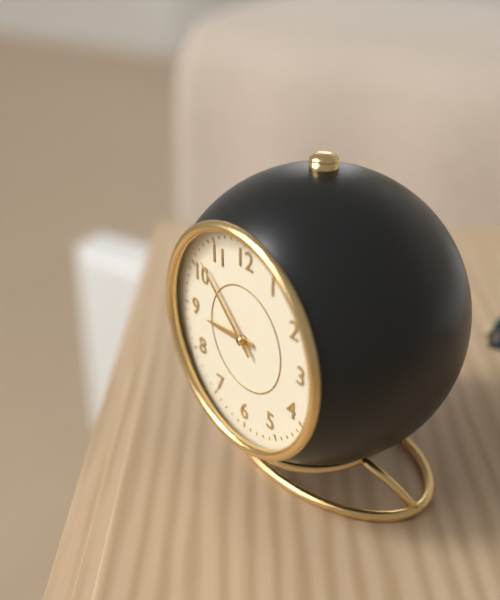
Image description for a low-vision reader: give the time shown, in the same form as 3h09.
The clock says 8h52
